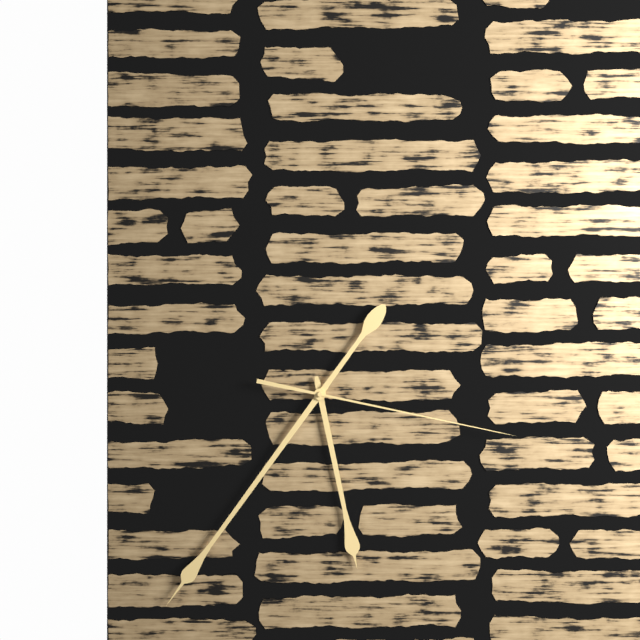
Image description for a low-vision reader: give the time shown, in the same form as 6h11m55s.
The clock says 5h36m17s
